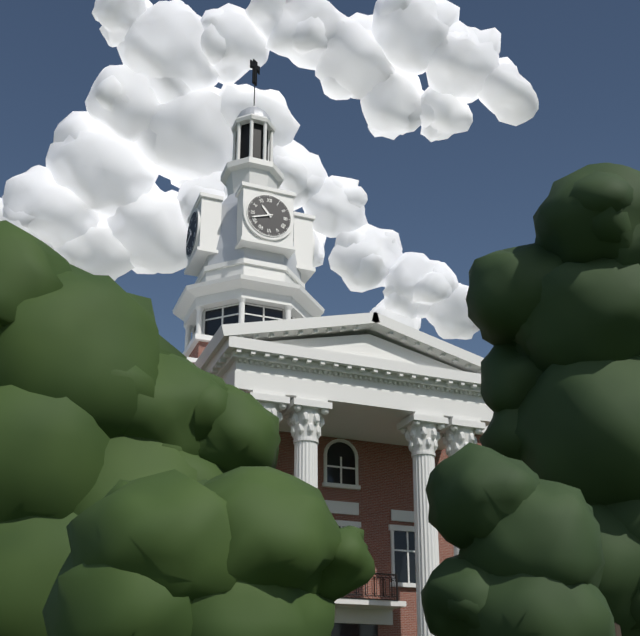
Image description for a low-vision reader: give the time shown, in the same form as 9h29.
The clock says 10h42
